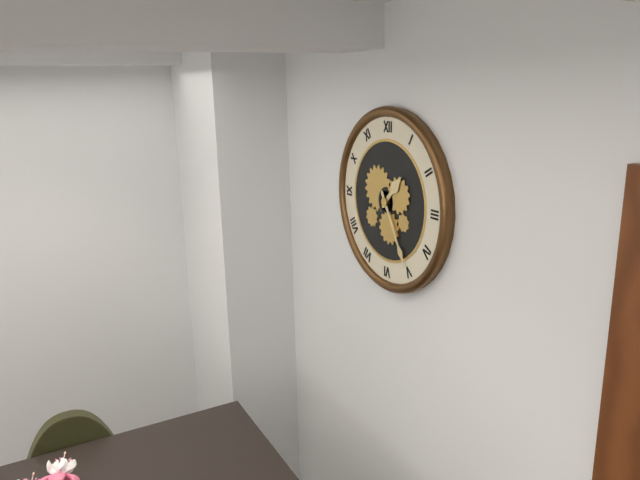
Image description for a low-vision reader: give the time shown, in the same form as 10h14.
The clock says 1h25
